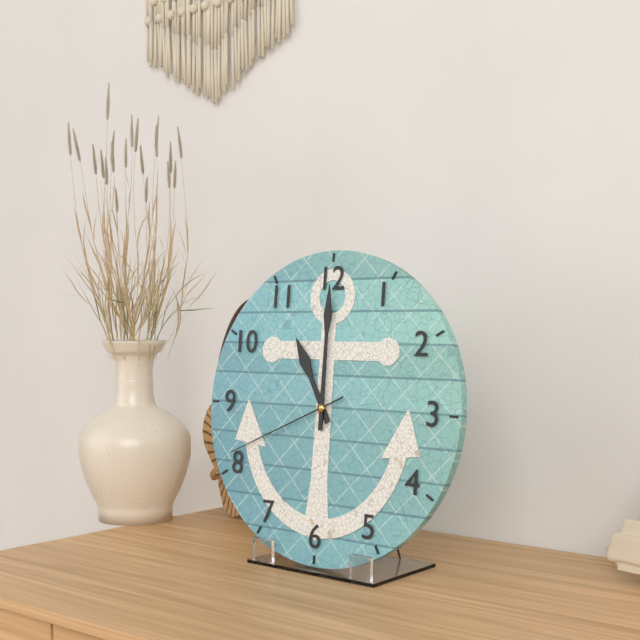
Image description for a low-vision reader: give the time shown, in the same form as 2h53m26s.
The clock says 11h00m41s
